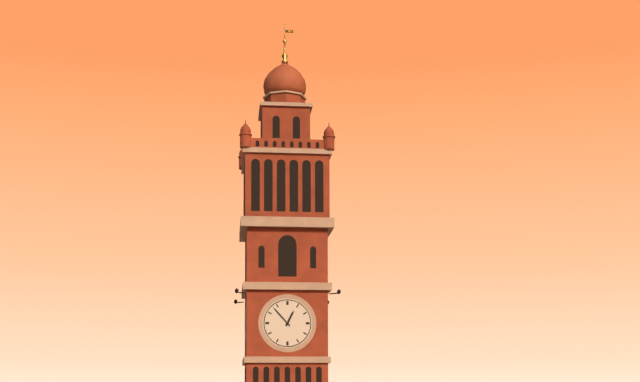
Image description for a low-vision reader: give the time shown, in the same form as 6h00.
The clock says 12h53
